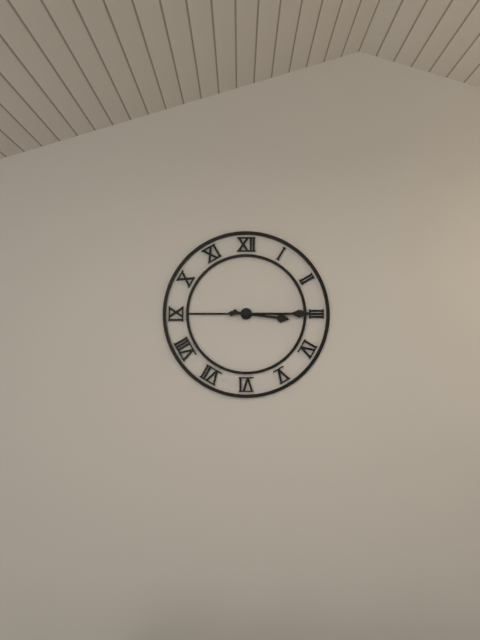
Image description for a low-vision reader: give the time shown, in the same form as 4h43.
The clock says 3h15
